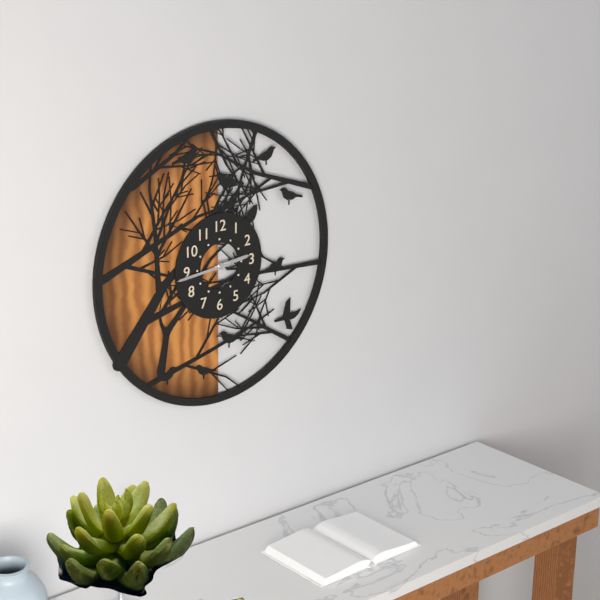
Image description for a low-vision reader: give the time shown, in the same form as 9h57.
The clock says 2h44
